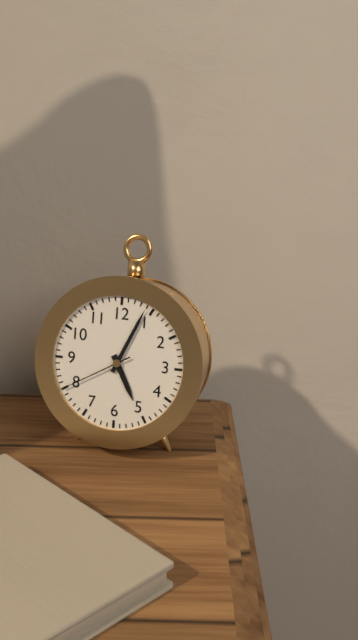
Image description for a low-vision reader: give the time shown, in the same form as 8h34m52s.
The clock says 5h04m40s
